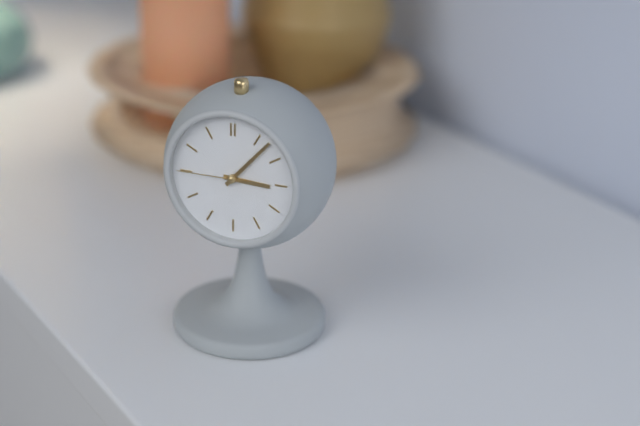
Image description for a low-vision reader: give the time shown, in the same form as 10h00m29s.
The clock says 3h07m45s
